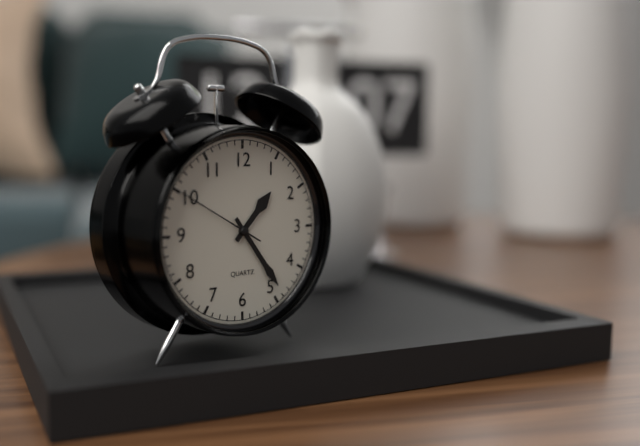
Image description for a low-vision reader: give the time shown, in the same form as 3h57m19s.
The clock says 1h24m50s
